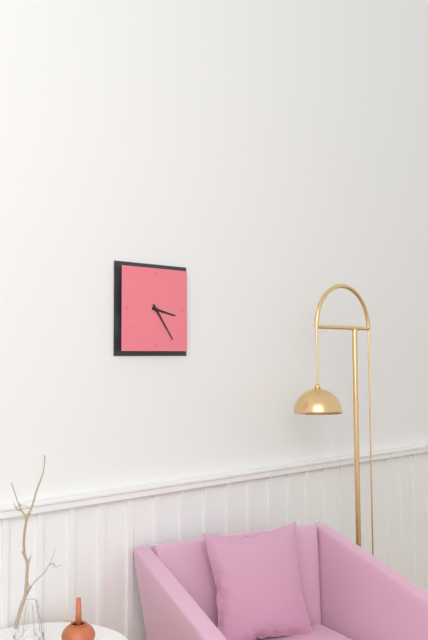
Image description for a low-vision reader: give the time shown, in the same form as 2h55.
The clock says 3h24
